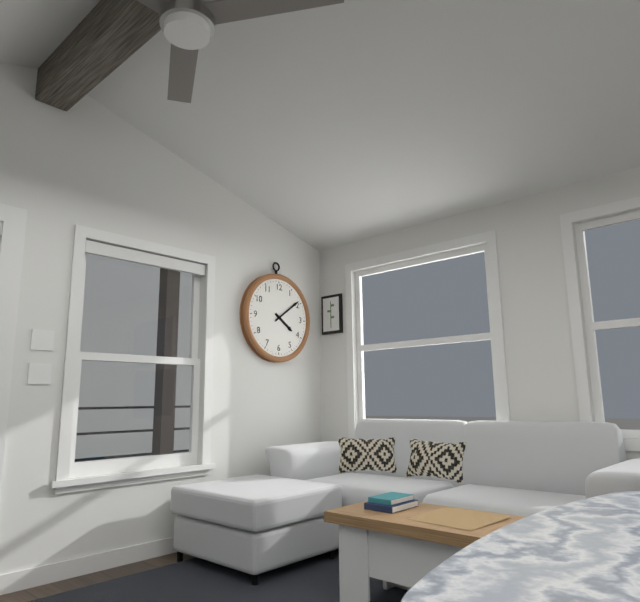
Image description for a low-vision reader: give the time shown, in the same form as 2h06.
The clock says 4h09
